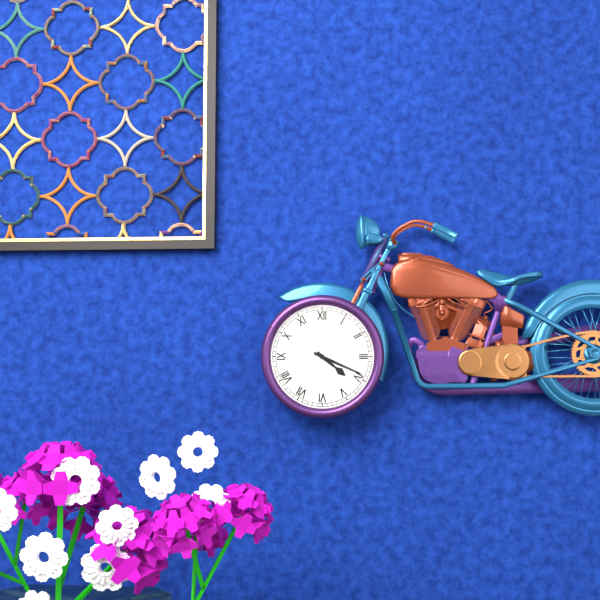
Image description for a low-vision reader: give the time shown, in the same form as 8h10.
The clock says 4h19
